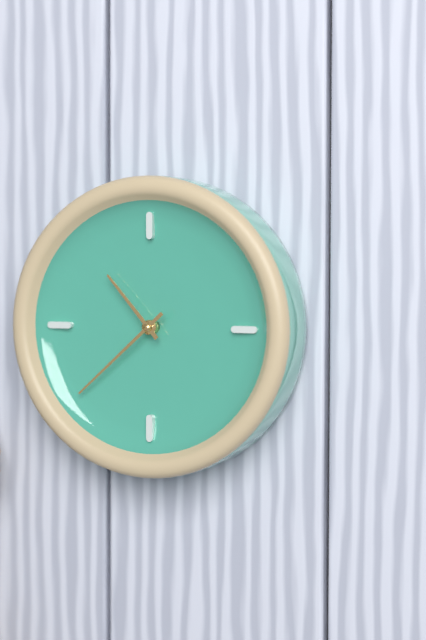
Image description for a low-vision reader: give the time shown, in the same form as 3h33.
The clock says 10h38
